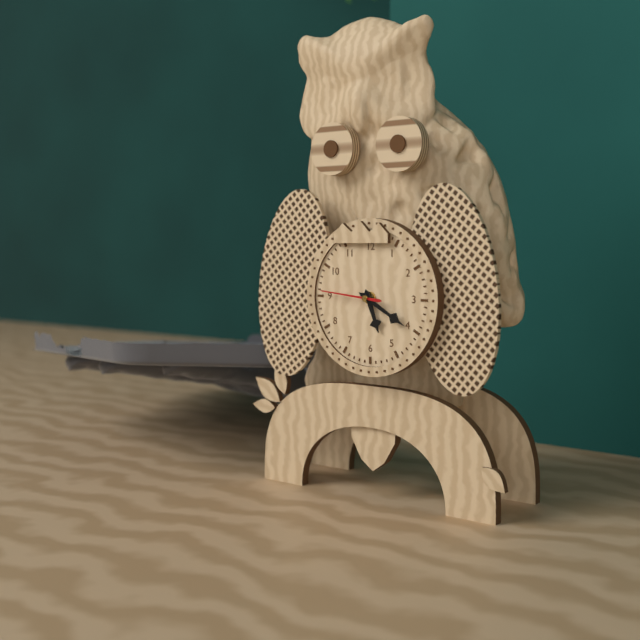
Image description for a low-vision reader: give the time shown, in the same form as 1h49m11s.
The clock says 5h20m46s
